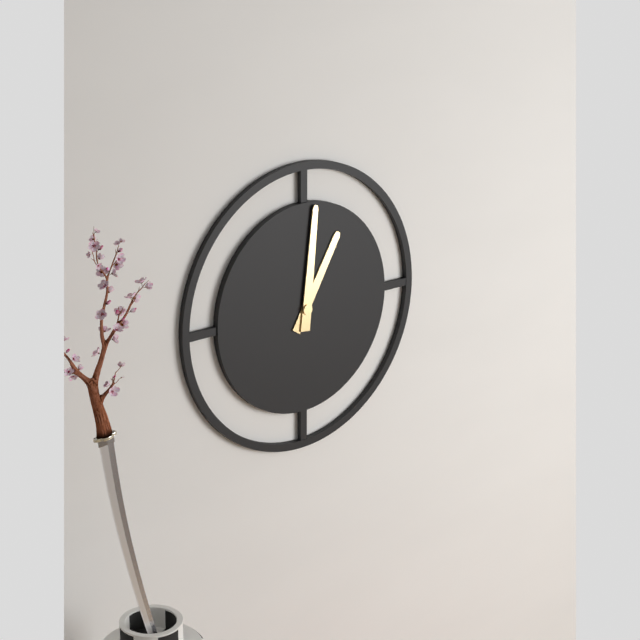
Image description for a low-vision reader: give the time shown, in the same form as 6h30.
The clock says 1h01
